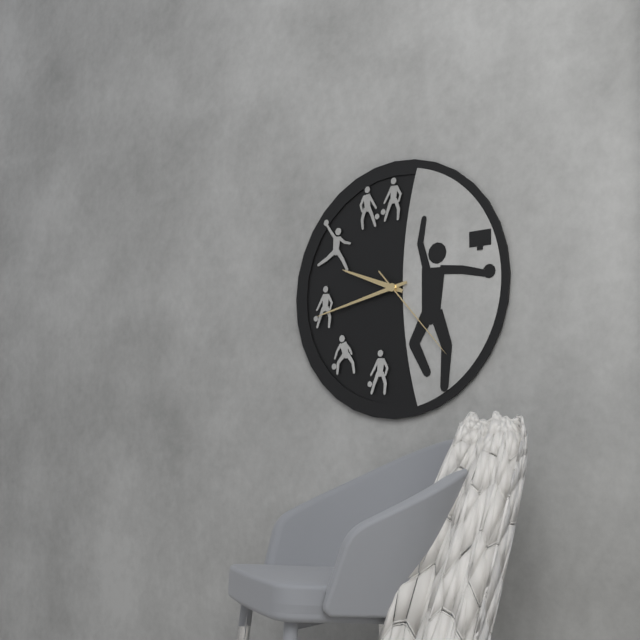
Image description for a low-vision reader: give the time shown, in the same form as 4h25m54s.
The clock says 9h43m23s
